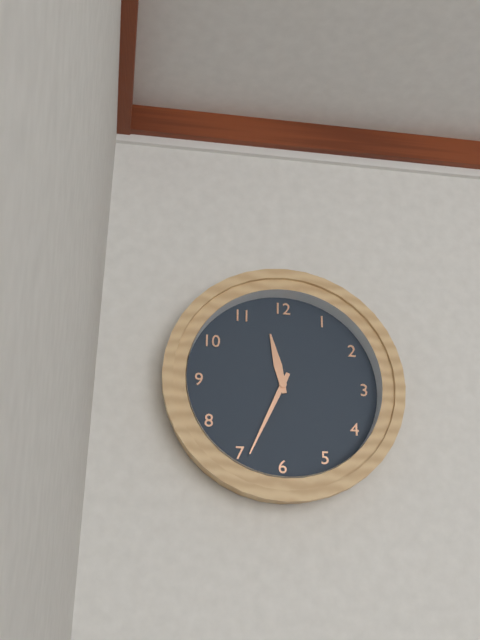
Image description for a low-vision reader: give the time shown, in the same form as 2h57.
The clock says 11h34
